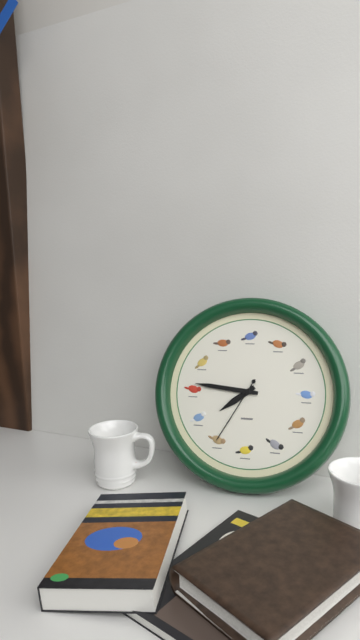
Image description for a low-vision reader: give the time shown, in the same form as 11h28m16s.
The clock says 7h46m35s
